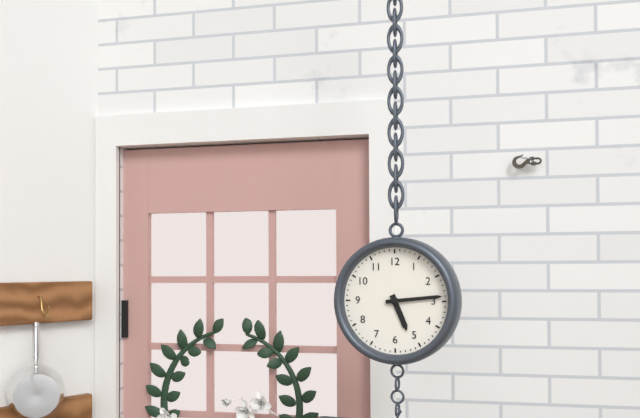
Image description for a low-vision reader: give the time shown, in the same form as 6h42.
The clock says 5h14
